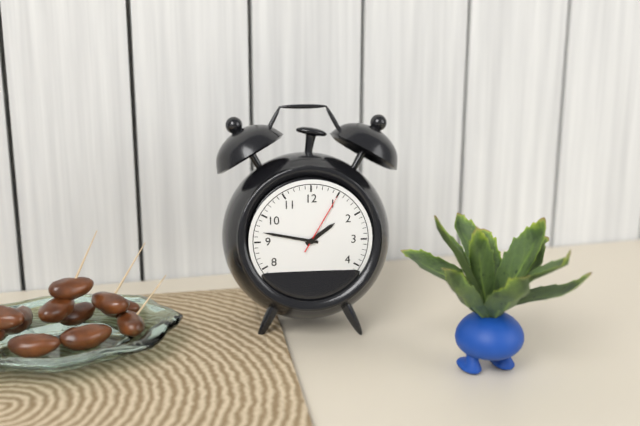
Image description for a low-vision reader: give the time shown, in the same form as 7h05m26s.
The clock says 1h47m05s
